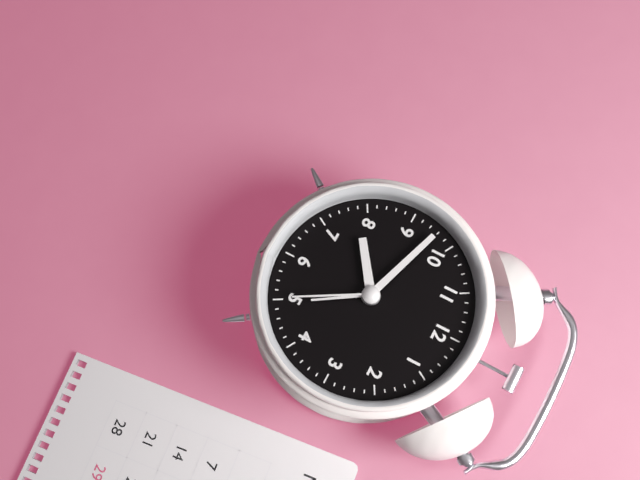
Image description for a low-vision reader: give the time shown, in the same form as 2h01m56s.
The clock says 7h48m25s
